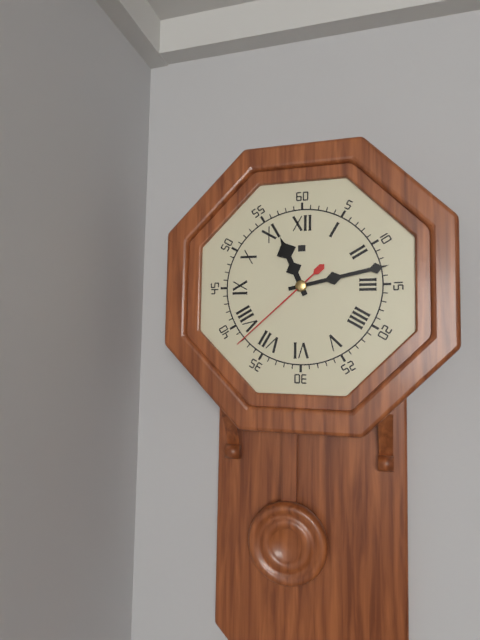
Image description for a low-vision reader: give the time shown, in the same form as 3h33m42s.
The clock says 11h13m38s
